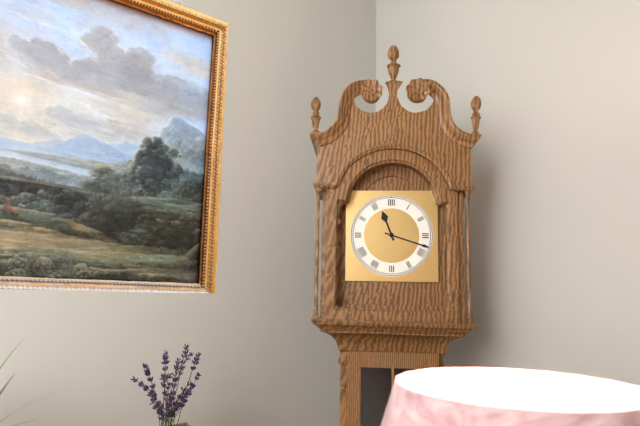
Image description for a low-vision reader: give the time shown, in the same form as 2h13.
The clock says 11h18
